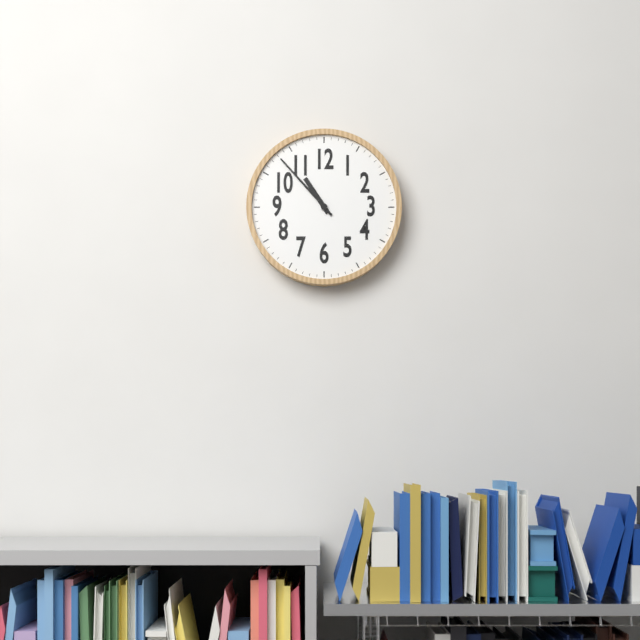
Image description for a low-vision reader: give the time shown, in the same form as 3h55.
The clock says 10h53
